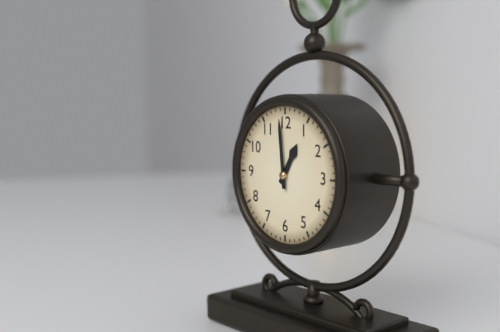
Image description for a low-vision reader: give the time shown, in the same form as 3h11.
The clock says 12h59
